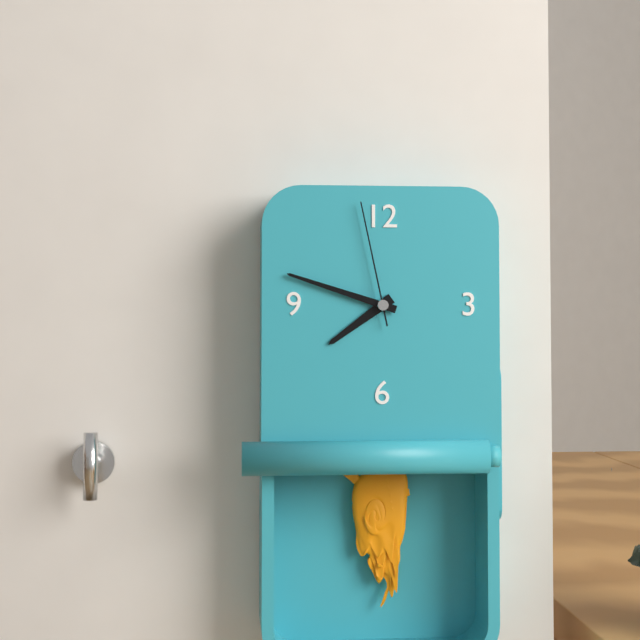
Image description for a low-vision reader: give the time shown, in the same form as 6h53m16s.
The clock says 7h48m58s
